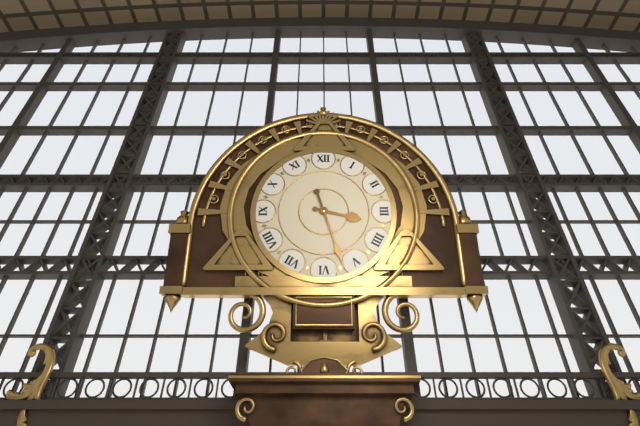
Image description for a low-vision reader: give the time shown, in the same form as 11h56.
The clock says 3h27
